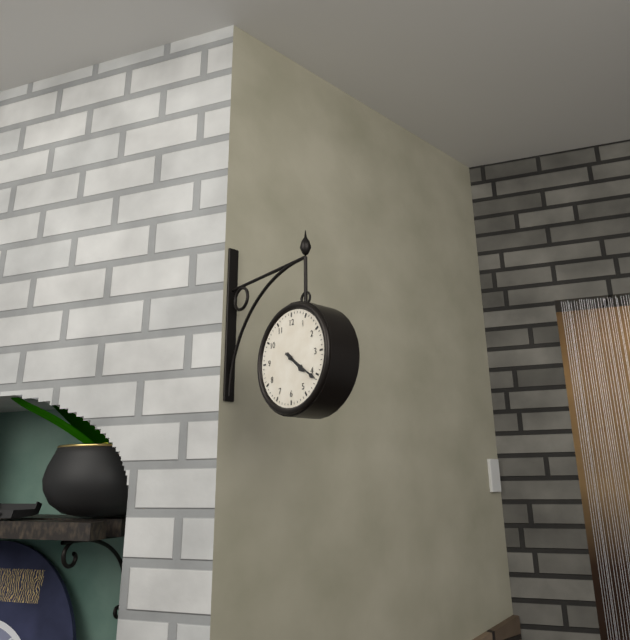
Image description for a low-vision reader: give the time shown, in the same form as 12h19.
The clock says 4h21
